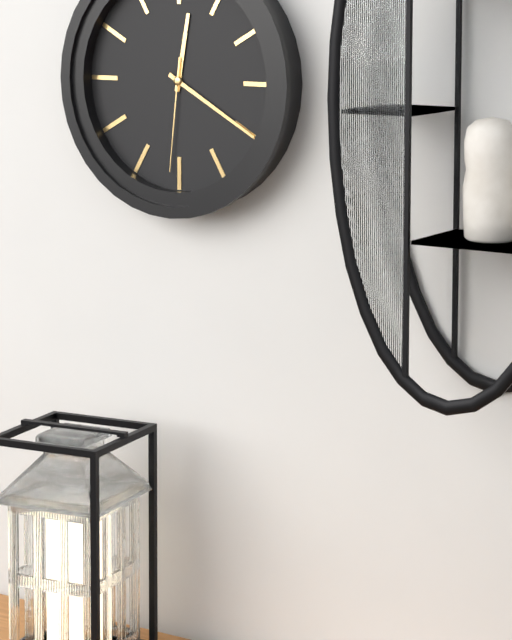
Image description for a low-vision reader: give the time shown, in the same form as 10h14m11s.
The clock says 12h20m31s
